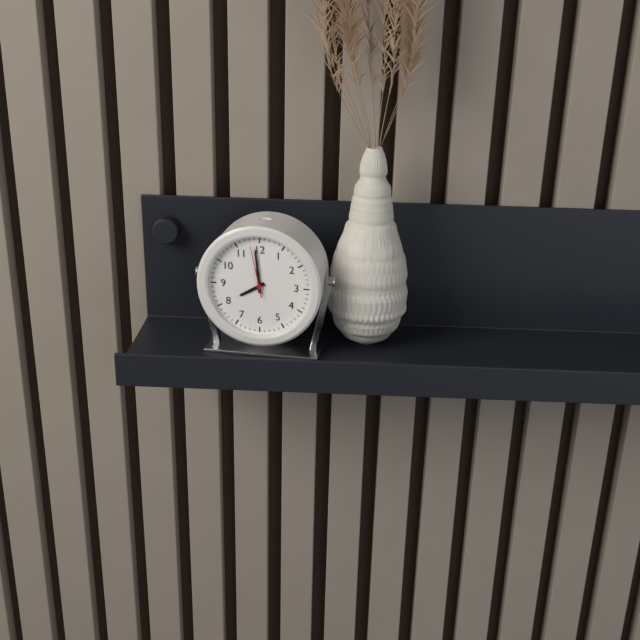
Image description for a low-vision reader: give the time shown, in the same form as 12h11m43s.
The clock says 7h59m58s
